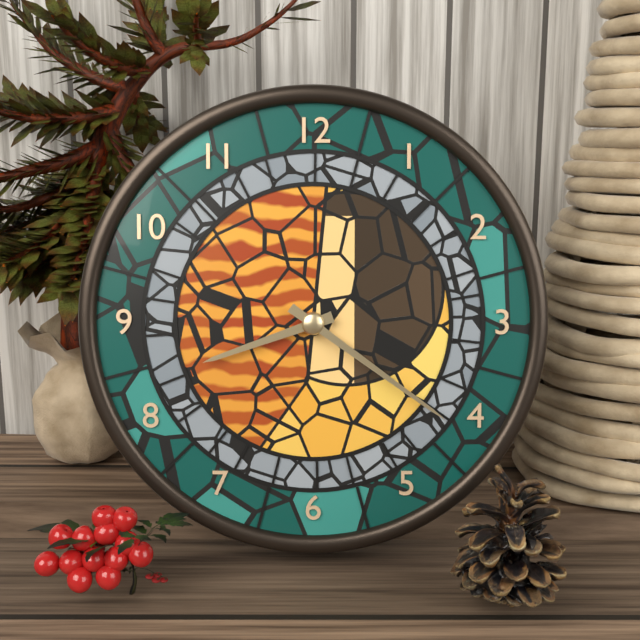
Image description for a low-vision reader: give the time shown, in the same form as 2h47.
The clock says 8h21
